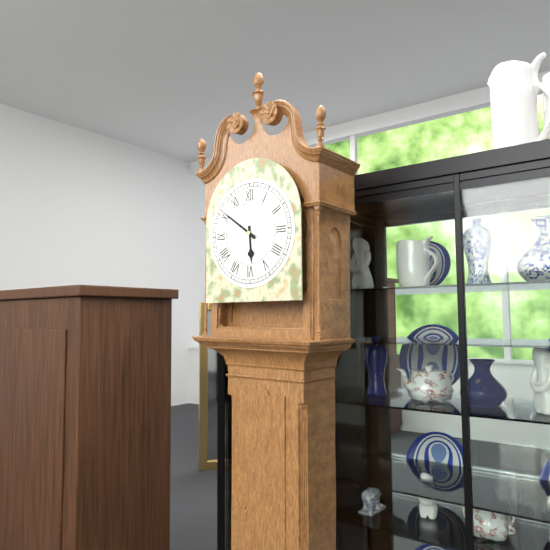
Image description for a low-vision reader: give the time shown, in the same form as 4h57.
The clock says 5h51
